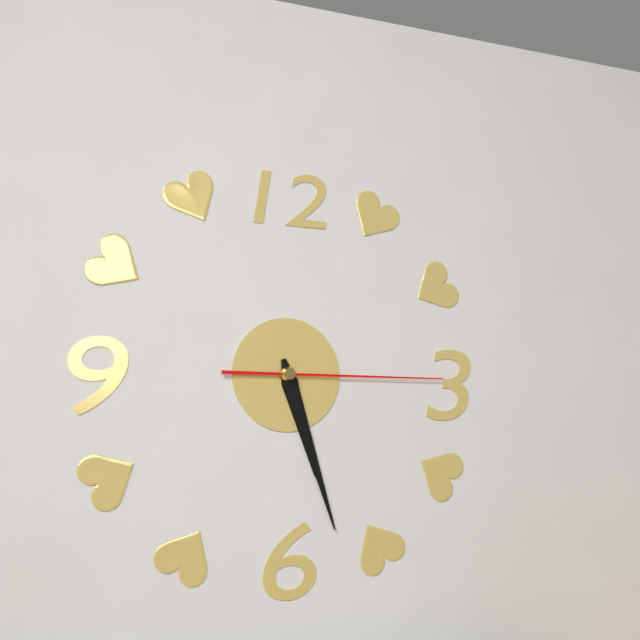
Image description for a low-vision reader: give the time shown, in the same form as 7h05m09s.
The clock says 5h27m15s
